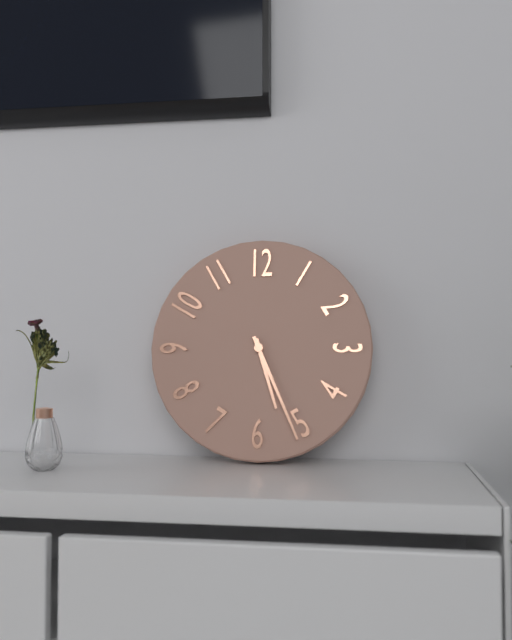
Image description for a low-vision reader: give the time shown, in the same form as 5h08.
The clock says 5h26
